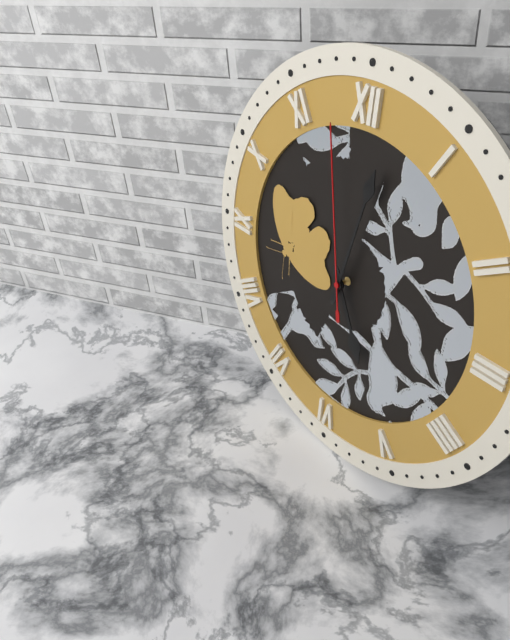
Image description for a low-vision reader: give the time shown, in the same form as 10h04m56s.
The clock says 5h02m58s
